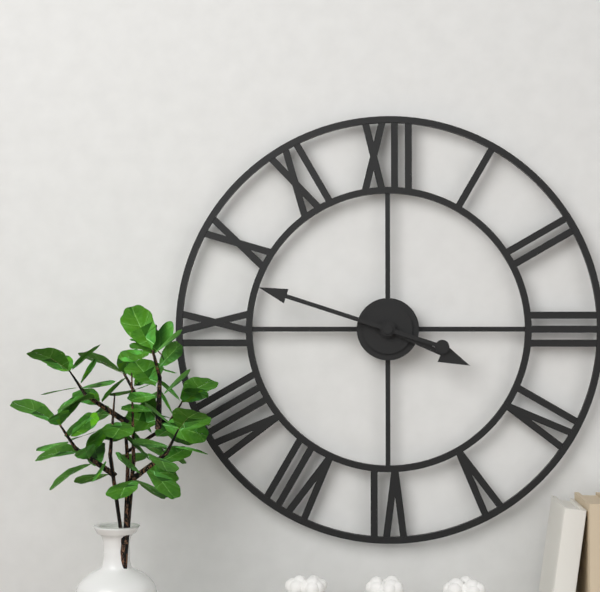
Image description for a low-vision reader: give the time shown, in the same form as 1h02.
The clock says 3h48
